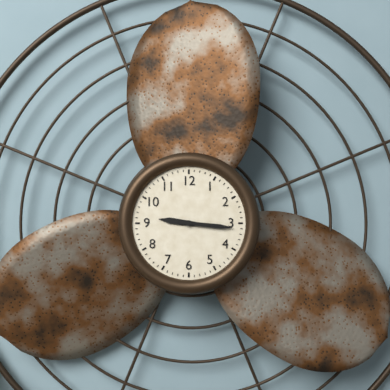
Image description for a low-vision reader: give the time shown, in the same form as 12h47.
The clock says 9h16
